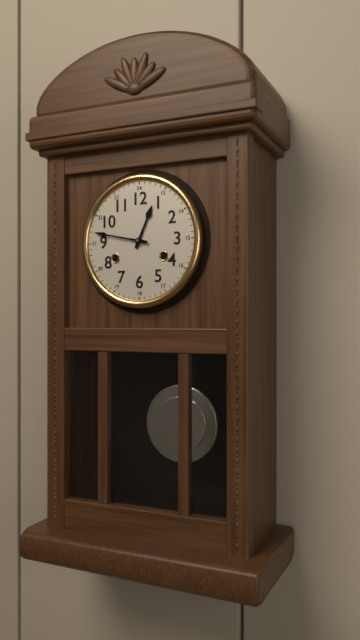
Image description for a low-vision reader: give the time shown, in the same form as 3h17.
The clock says 12h47
